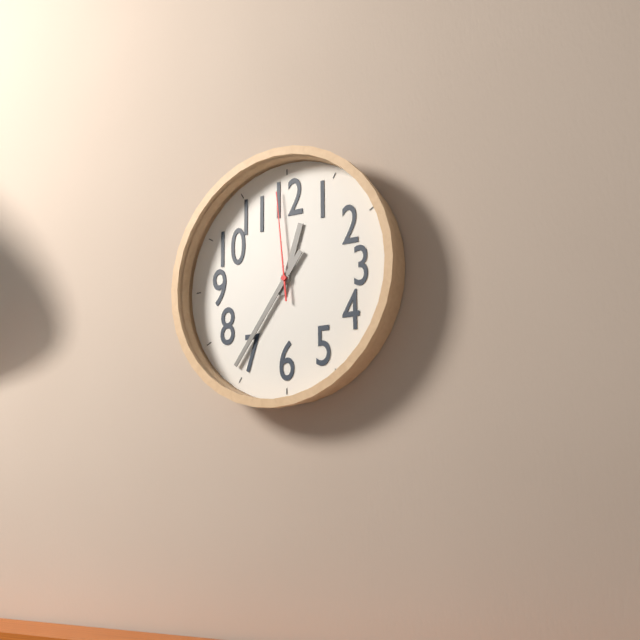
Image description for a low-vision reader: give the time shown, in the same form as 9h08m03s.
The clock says 12h36m59s
